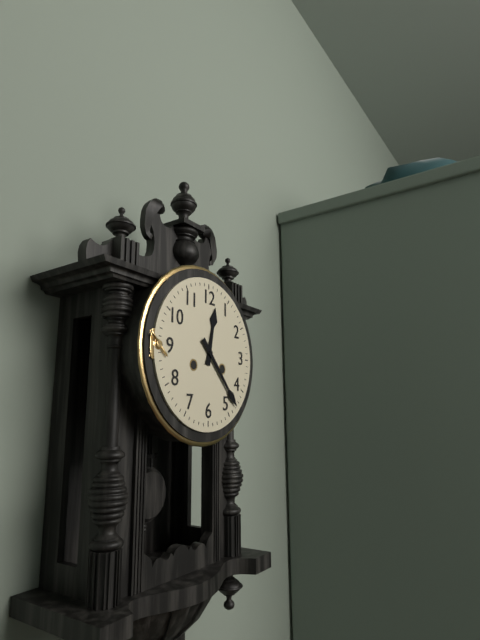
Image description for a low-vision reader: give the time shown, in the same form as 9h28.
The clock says 12h23
